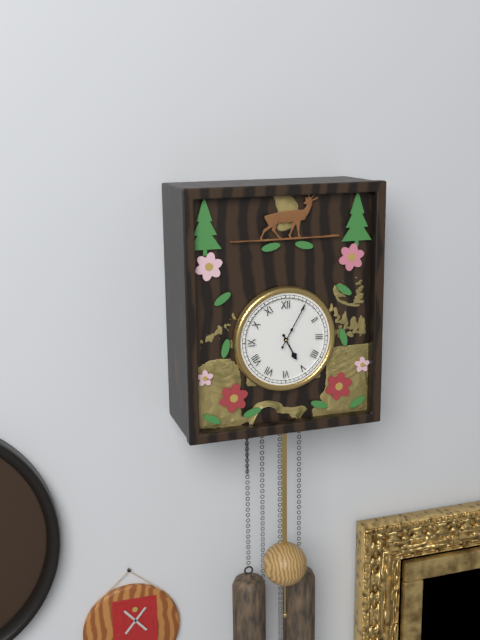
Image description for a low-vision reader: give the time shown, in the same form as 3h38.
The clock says 5h05
